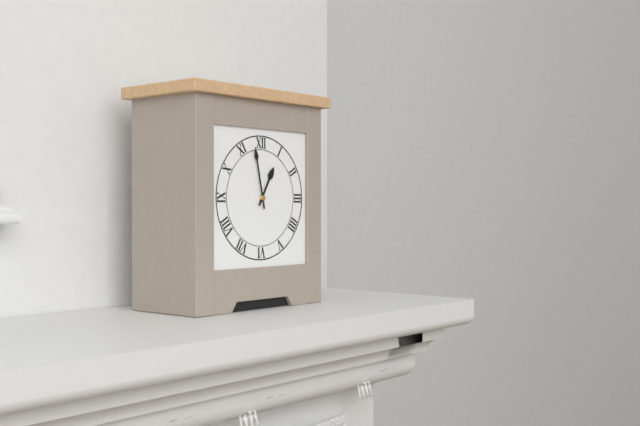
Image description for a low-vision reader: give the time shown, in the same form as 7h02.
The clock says 12h58
